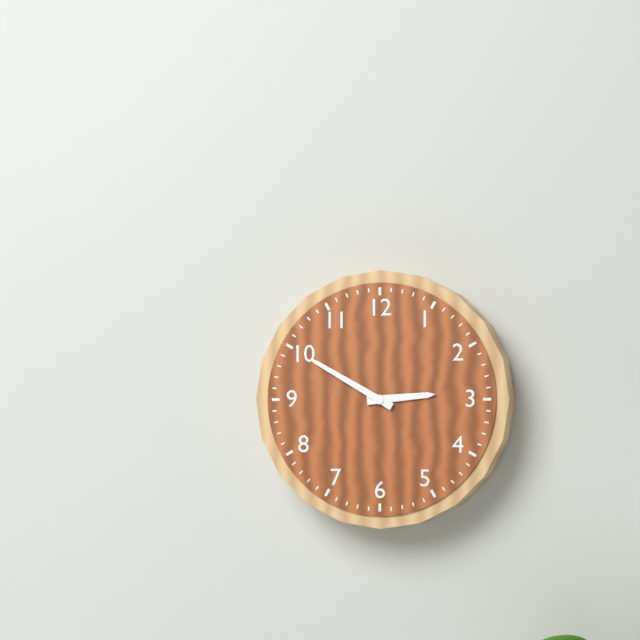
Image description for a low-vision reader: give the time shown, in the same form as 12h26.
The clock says 2h50
